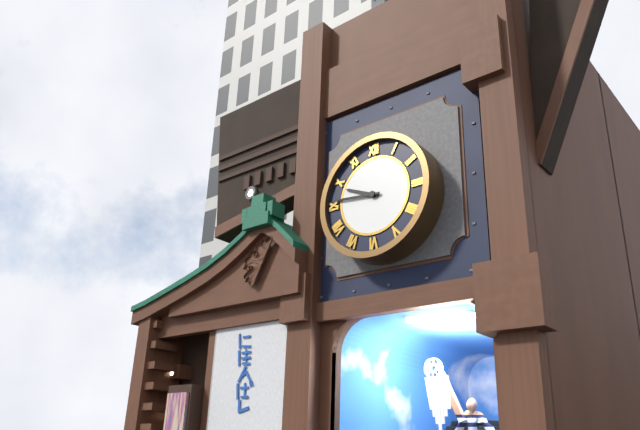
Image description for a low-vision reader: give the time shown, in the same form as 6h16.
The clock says 9h46
